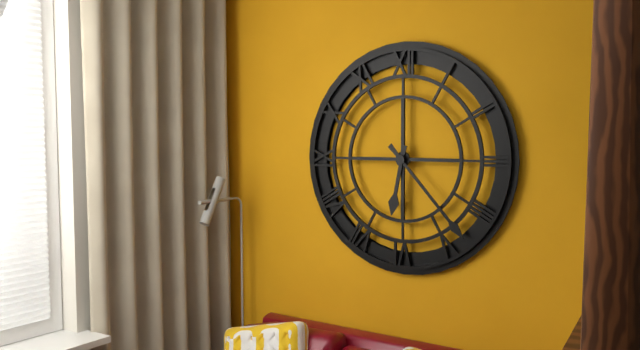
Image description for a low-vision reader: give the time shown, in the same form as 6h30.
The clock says 6h23
